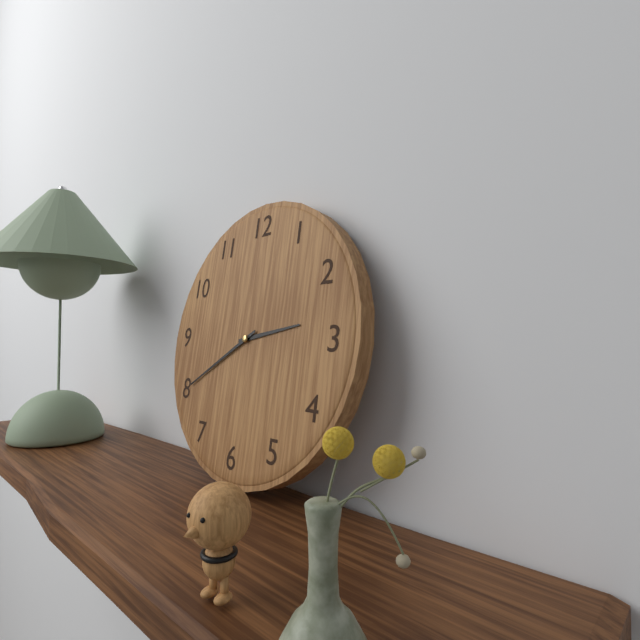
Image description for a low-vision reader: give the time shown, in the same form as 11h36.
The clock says 2h40
